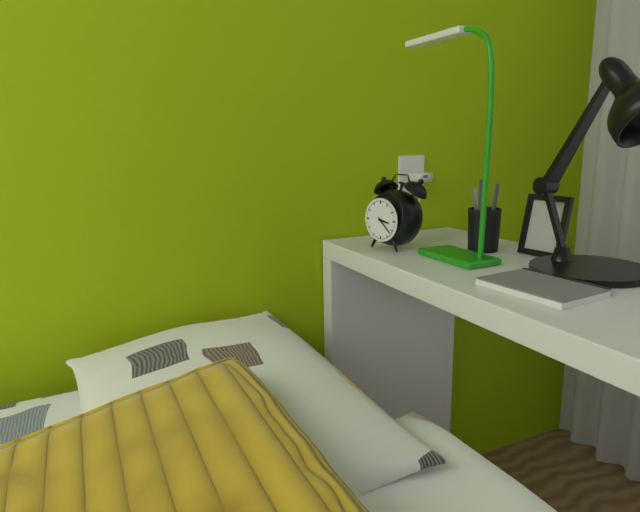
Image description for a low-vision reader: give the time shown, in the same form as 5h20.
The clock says 3h22
